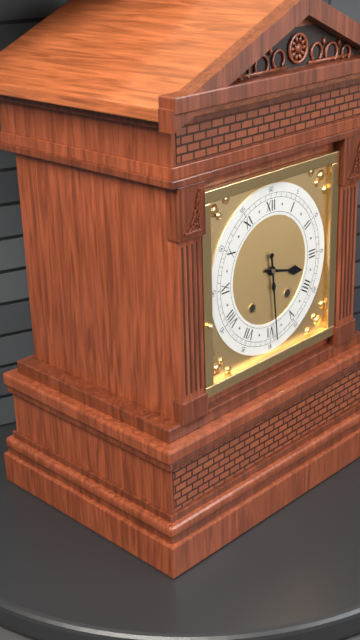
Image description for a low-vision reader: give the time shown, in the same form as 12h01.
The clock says 3h29
